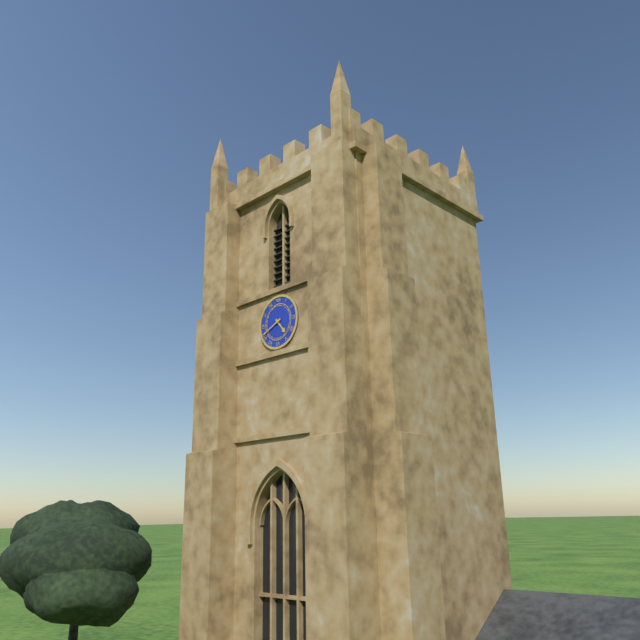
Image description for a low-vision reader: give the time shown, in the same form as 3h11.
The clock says 4h41
